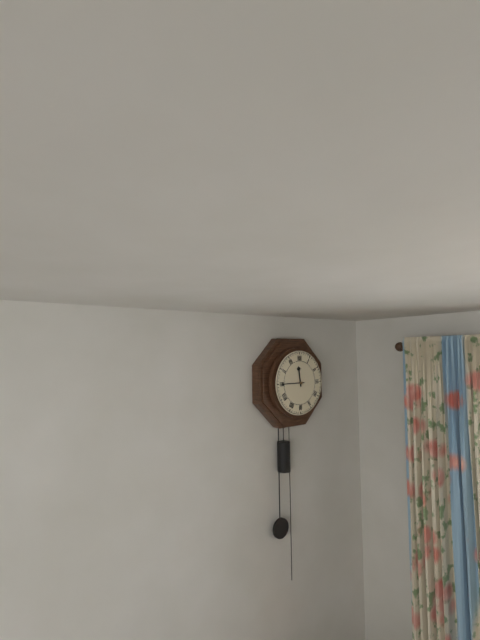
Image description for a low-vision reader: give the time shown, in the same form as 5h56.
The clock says 11h45
